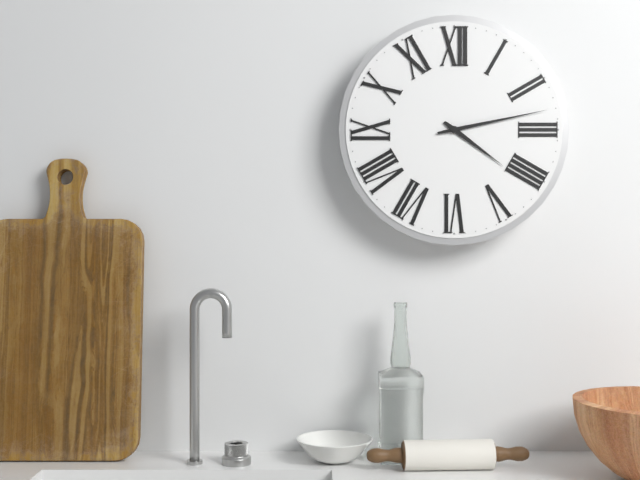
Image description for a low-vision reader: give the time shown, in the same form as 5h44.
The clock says 4h13
